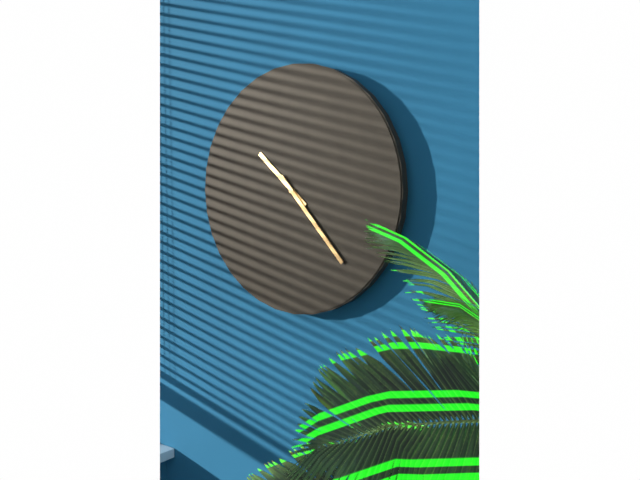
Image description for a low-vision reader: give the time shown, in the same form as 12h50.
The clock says 10h23
